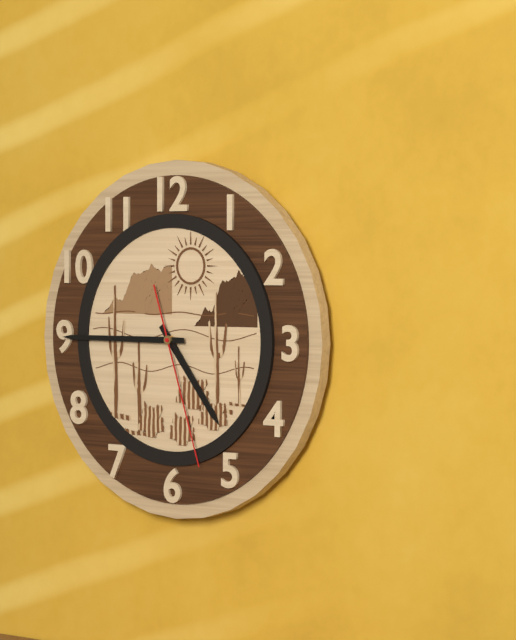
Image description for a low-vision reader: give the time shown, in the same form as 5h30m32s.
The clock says 4h45m27s
